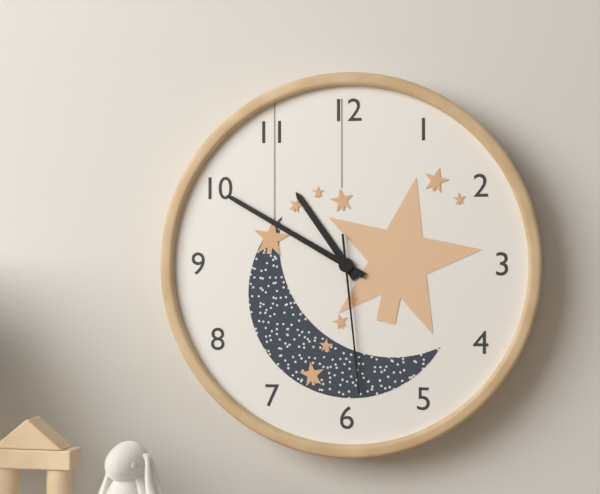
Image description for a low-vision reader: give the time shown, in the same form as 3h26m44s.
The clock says 10h50m29s
